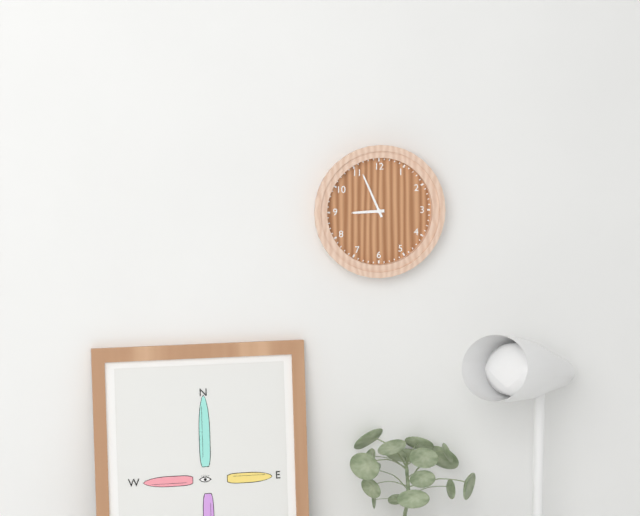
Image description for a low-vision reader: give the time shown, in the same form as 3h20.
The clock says 8h56
